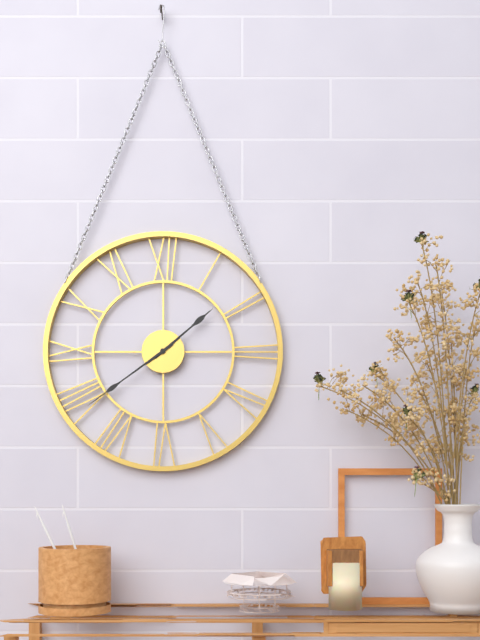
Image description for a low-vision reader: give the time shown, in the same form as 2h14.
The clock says 1h39
